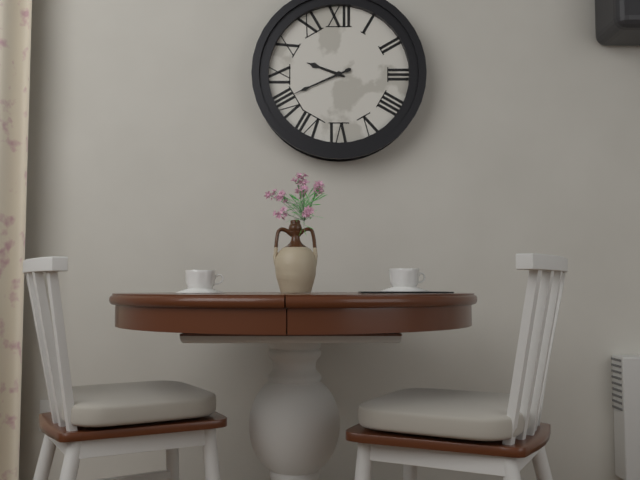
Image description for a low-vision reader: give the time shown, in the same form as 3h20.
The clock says 9h41
